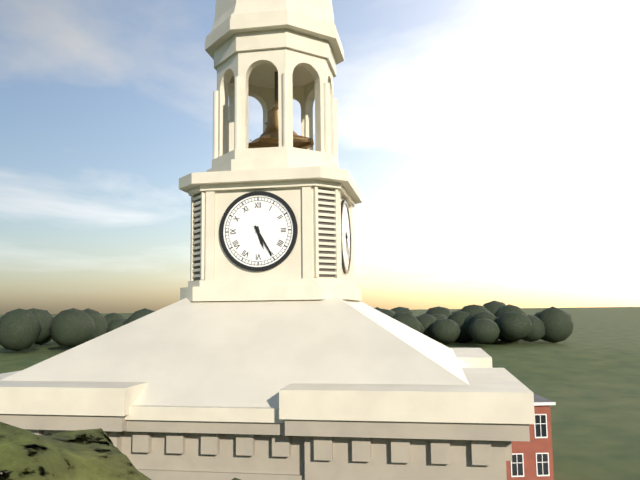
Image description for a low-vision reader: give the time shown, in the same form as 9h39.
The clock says 5h25
